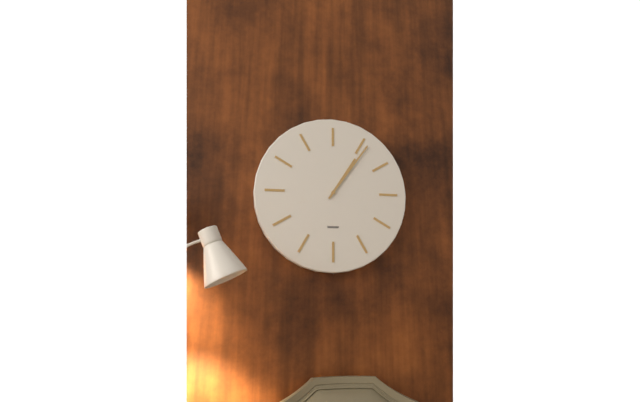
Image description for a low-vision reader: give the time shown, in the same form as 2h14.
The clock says 1h06
